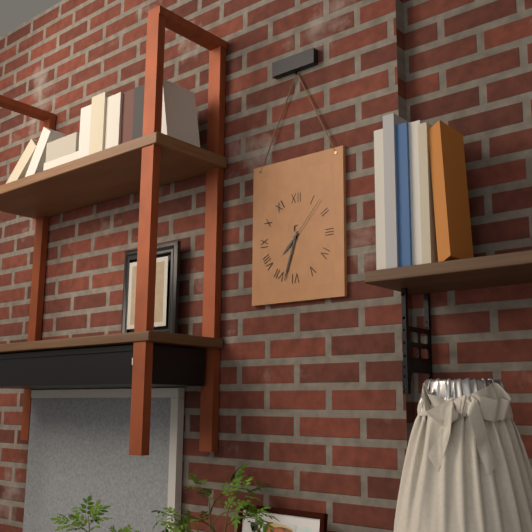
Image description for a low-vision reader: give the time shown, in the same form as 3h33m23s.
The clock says 7h33m07s
